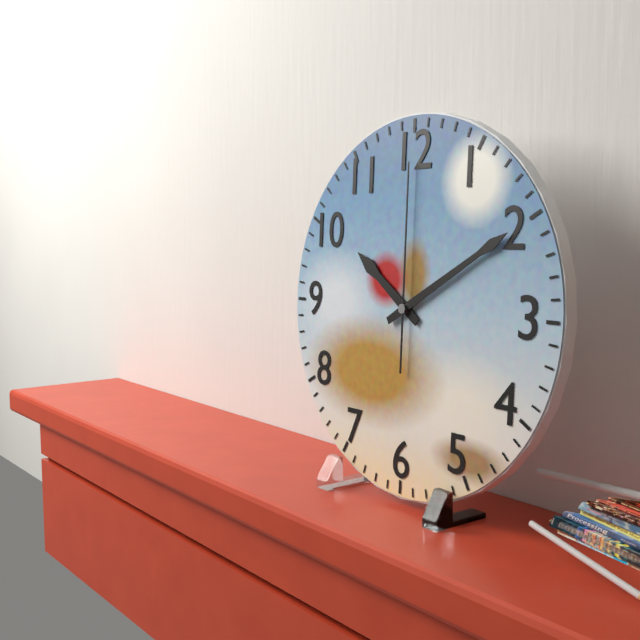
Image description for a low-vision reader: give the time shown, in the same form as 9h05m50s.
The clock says 10h10m00s
